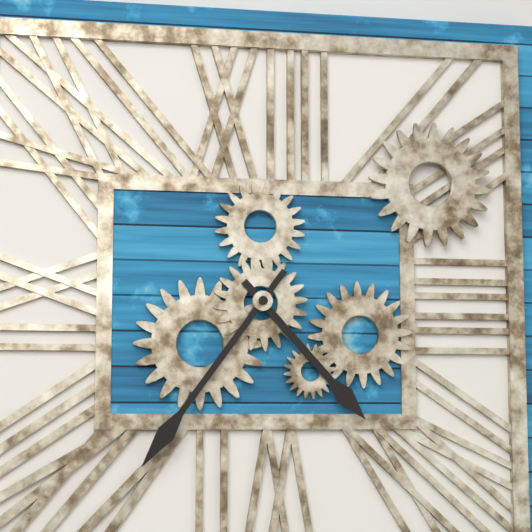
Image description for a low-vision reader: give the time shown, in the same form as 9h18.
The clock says 4h36
